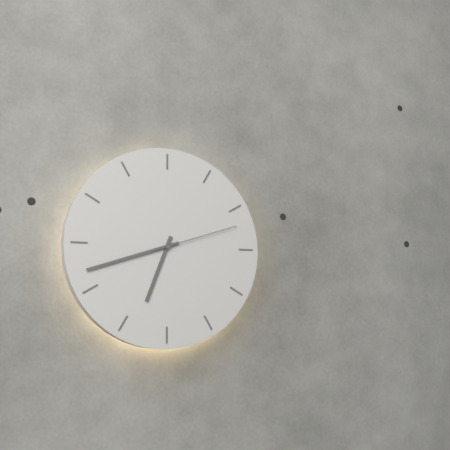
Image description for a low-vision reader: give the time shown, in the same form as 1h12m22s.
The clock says 6h42m12s
